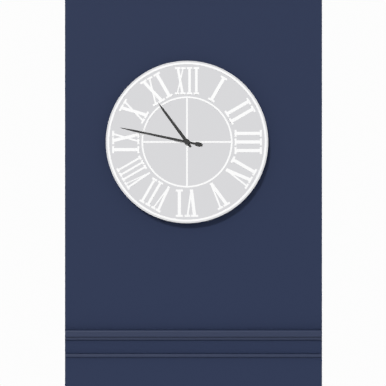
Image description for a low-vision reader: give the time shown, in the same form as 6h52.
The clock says 10h47
